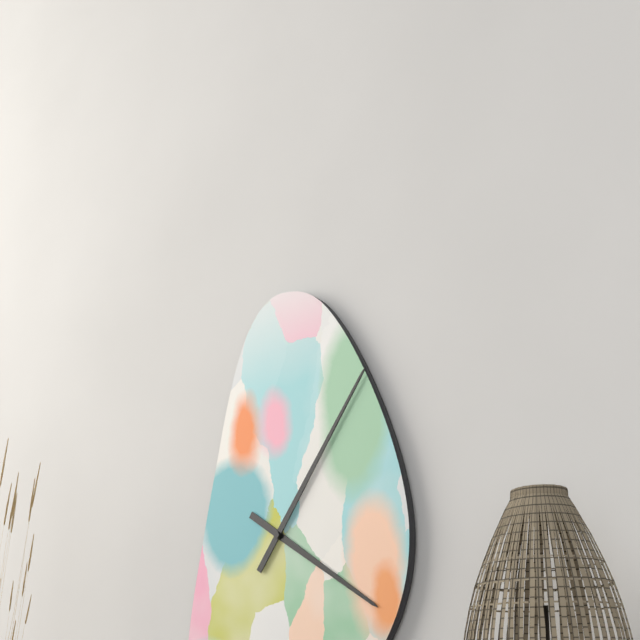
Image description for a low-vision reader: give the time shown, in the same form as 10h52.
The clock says 4h06
